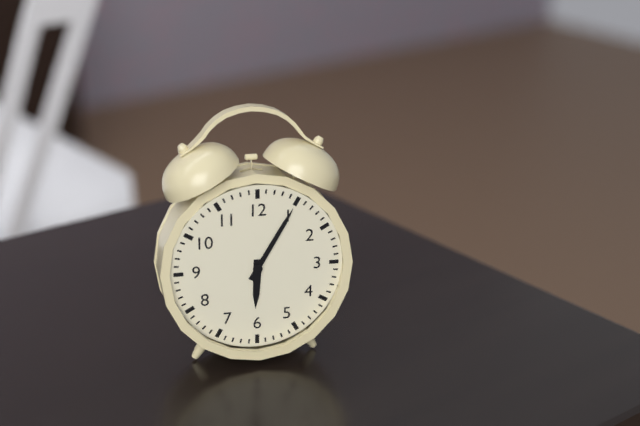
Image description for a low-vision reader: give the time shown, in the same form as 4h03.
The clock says 6h05
